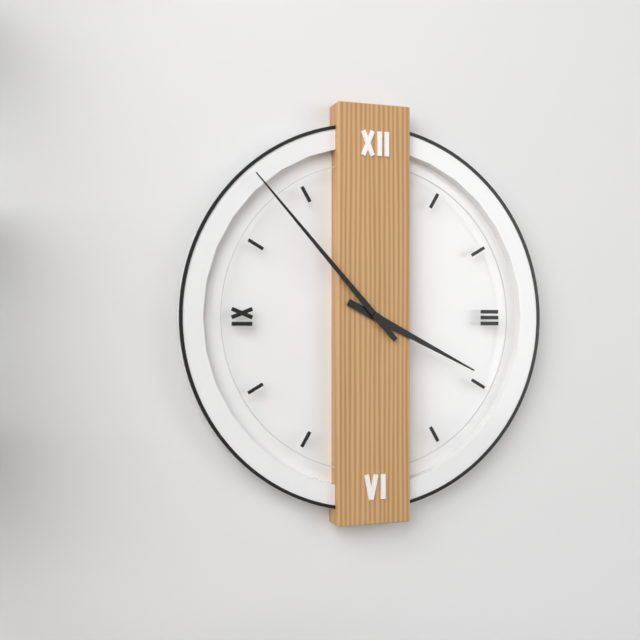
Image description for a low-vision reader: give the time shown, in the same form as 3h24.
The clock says 3h53
